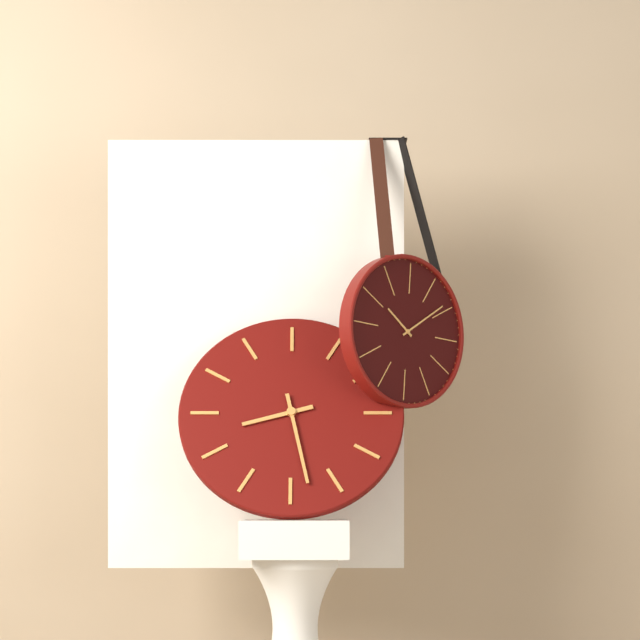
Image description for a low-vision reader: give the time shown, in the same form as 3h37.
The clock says 8h28
